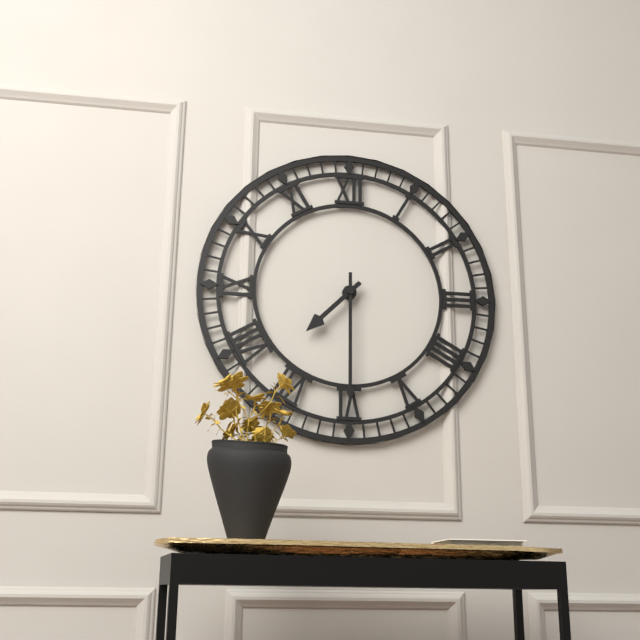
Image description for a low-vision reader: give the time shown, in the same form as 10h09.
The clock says 7h30
